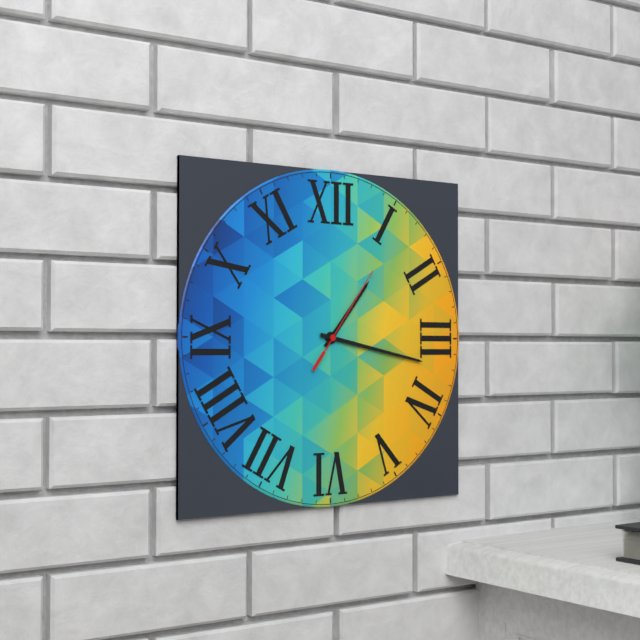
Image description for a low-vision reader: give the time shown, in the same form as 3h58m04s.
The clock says 1h17m06s
